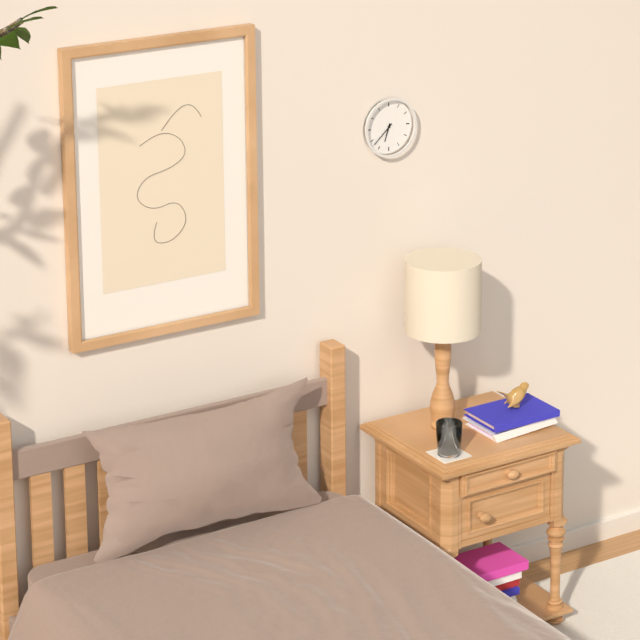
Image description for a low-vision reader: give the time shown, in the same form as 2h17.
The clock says 6h38
